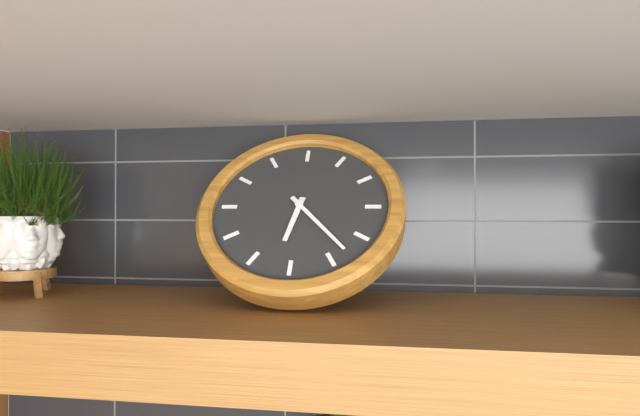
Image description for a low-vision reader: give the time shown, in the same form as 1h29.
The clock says 6h23
